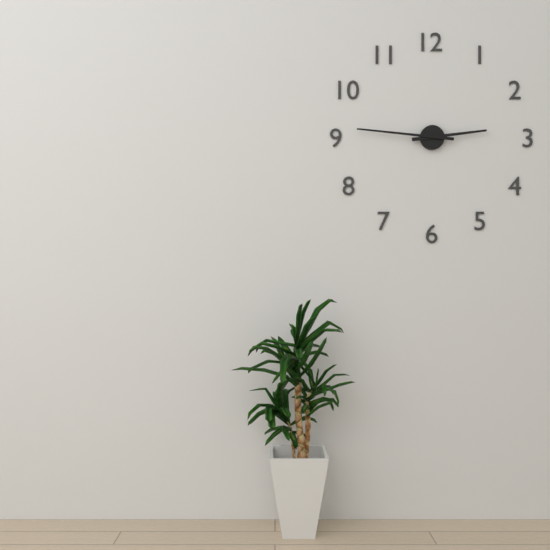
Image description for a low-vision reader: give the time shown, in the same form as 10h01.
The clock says 2h46
